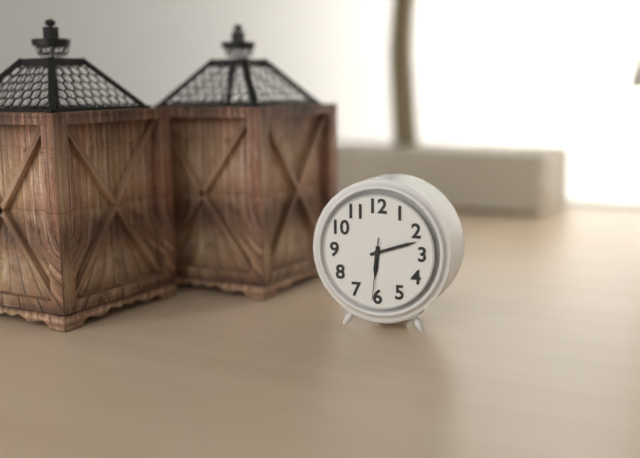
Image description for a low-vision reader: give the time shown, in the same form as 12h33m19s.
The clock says 6h12m31s
